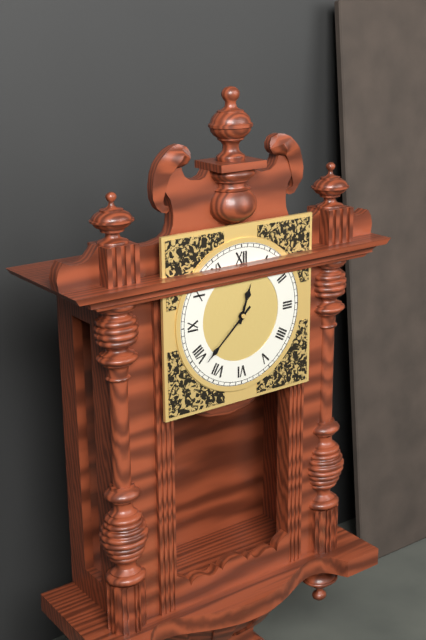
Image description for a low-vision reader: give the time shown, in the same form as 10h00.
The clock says 12h38
